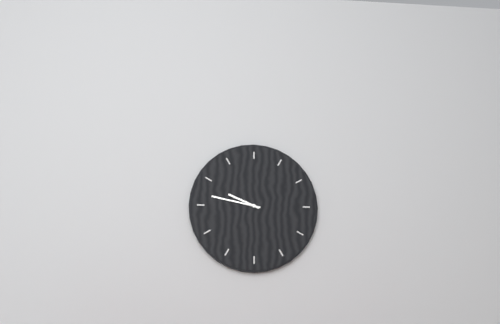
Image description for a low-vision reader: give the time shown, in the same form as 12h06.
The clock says 9h47
